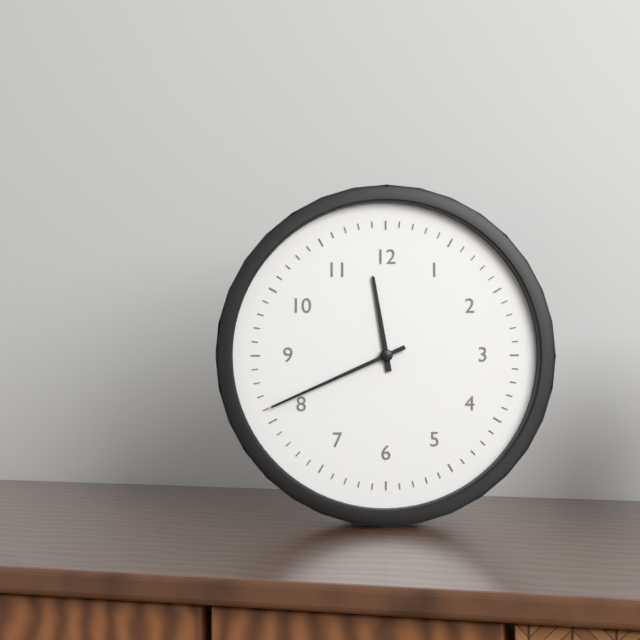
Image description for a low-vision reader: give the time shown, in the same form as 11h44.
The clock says 11h41
